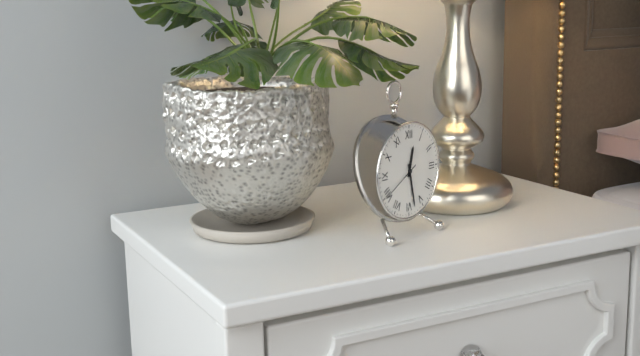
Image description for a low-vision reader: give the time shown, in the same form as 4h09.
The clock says 12h28
